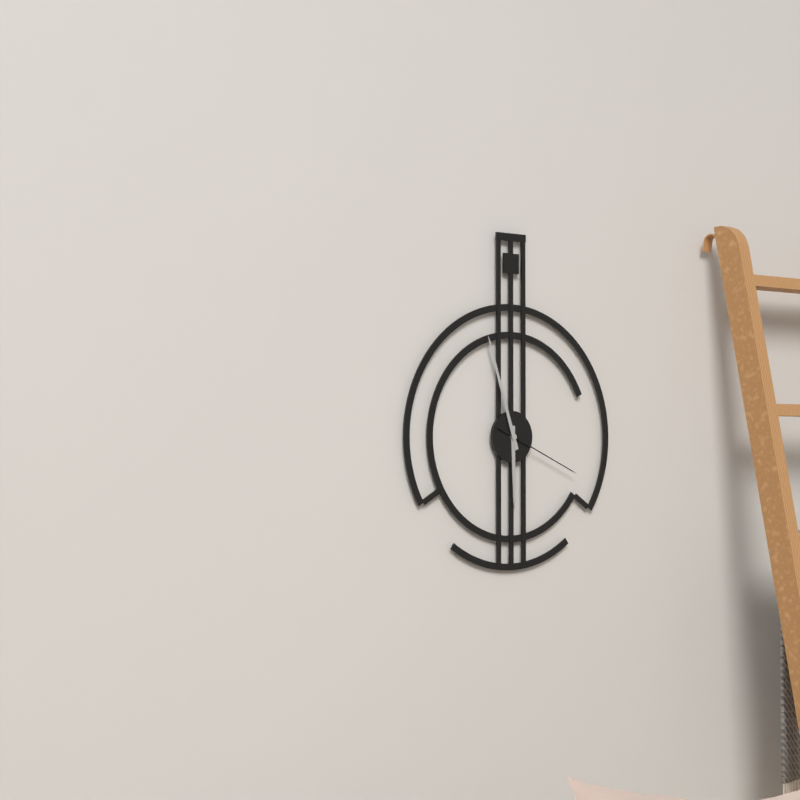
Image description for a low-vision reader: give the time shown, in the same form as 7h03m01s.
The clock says 5h57m19s
